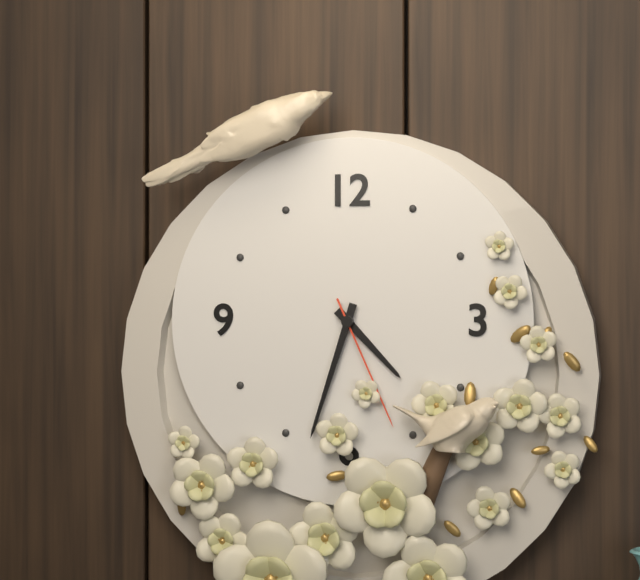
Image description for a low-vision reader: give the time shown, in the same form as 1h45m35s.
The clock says 4h33m26s
